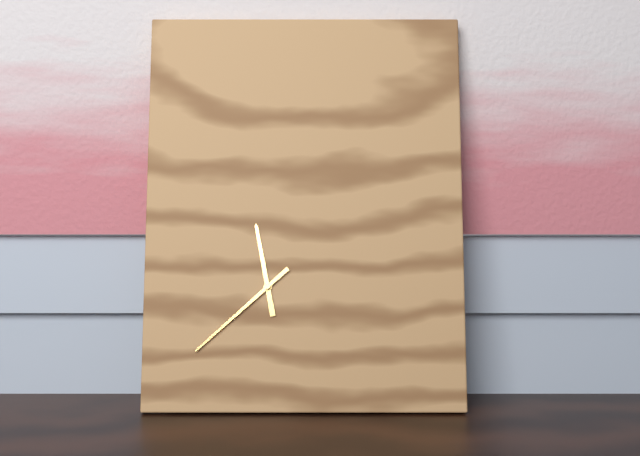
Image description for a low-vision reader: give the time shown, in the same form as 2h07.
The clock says 11h38
